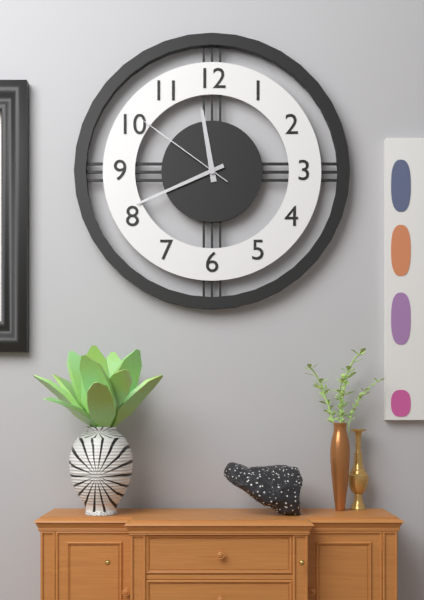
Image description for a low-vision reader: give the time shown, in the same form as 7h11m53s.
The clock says 11h41m51s
